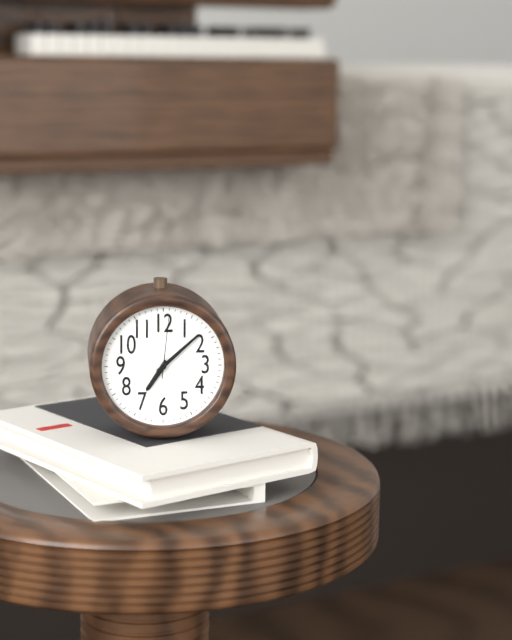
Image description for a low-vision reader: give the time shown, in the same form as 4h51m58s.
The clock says 7h08m01s
